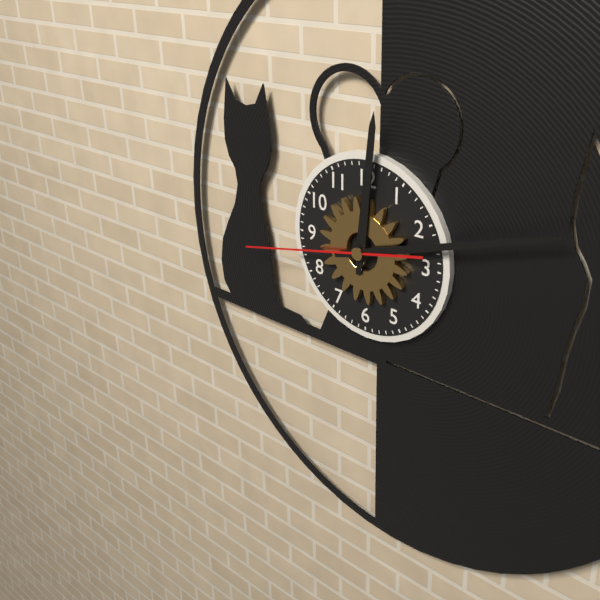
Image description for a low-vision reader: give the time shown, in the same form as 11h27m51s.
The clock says 12h12m43s
